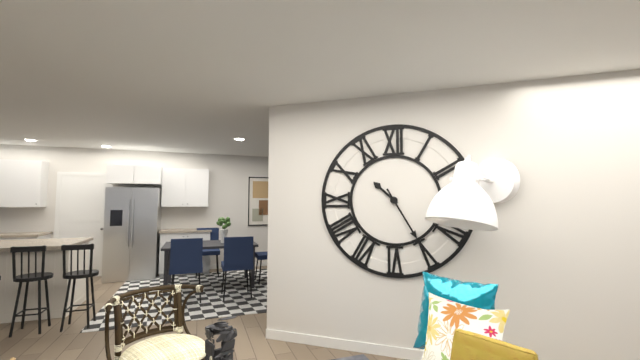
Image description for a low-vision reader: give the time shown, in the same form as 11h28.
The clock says 10h25
